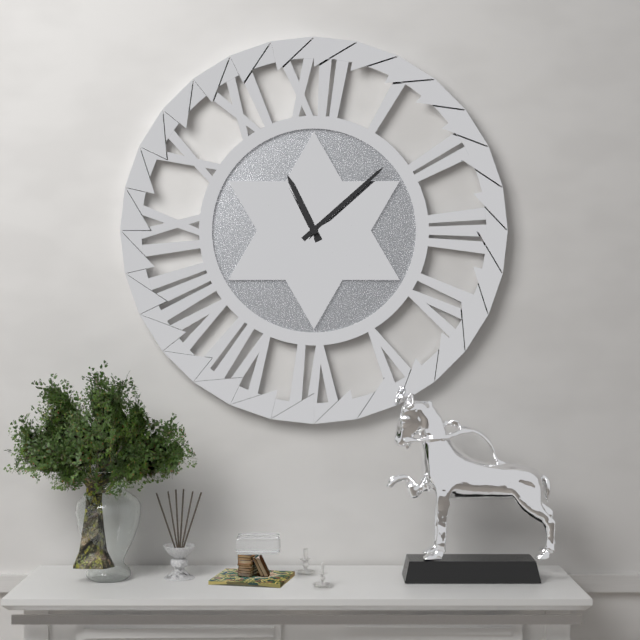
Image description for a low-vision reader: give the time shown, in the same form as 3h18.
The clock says 11h08
